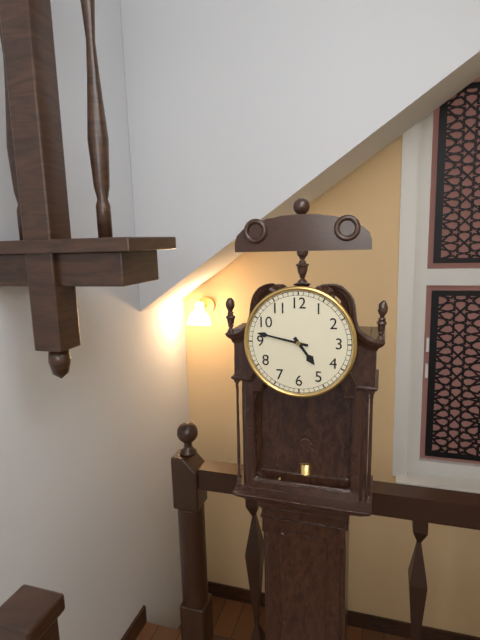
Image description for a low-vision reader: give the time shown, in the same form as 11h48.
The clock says 4h47
